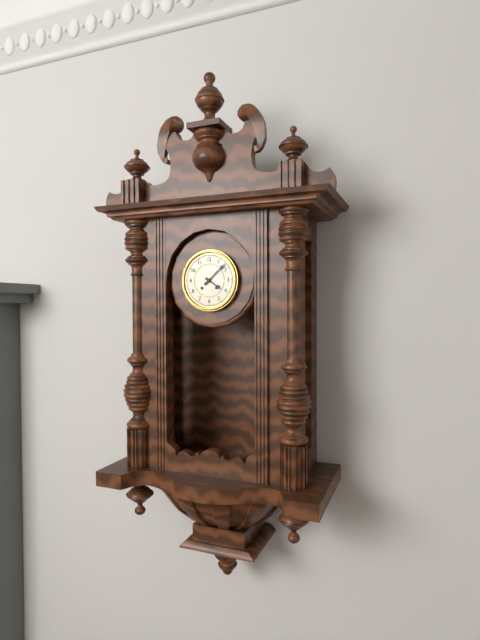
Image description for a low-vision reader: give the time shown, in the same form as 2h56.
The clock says 4h08
